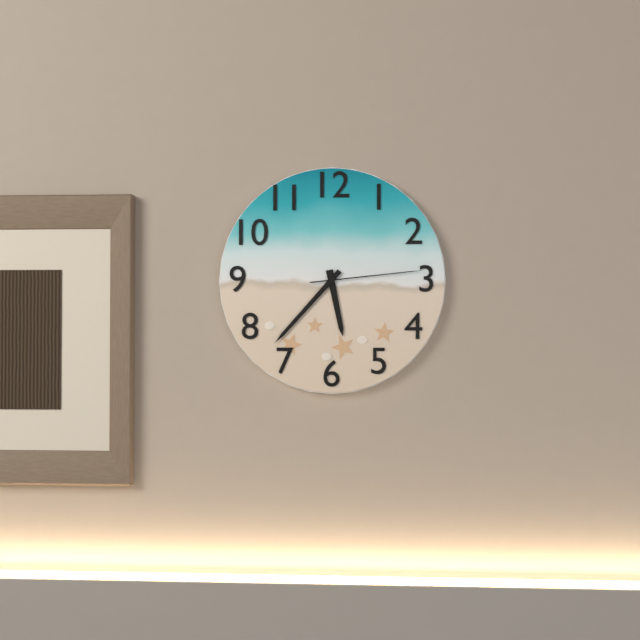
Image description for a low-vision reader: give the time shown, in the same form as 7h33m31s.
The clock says 5h37m14s
